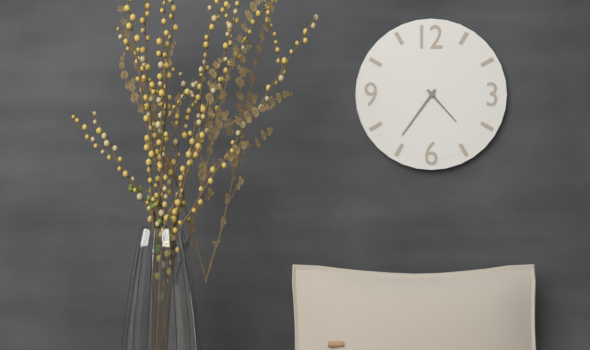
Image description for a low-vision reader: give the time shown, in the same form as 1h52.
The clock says 4h36
